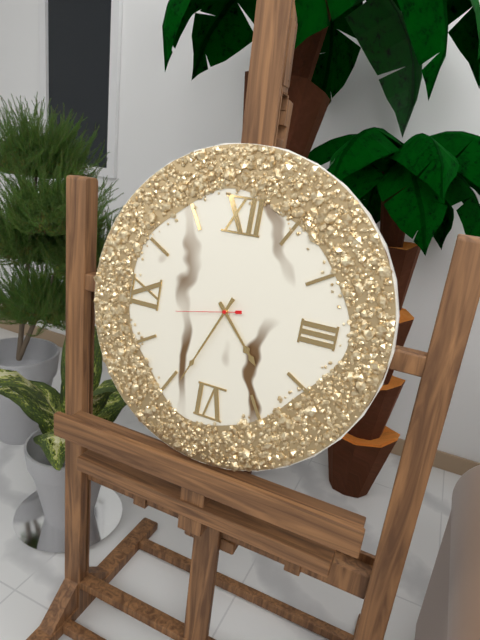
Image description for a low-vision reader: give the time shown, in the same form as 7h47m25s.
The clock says 4h34m43s
